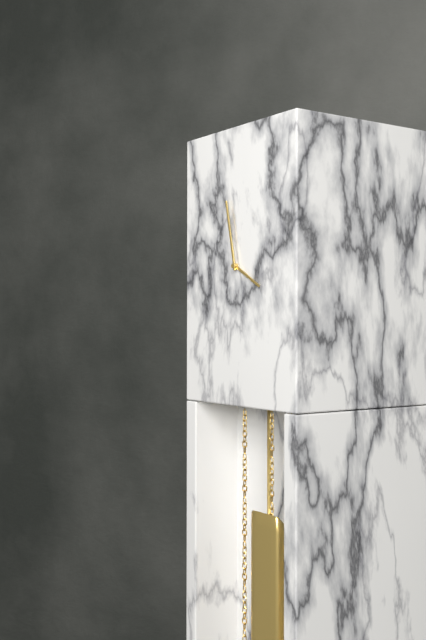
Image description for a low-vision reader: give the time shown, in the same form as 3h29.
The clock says 3h58
